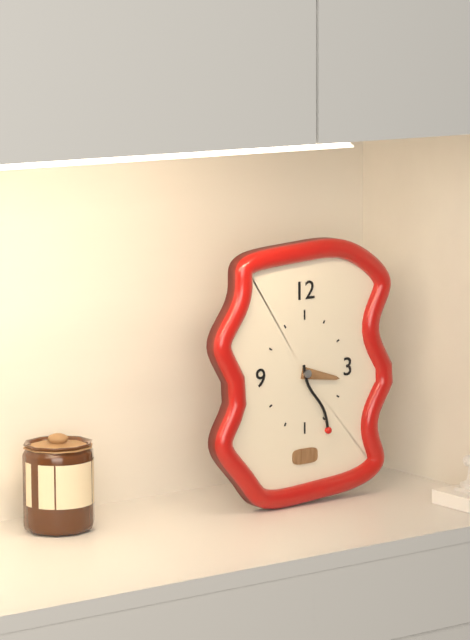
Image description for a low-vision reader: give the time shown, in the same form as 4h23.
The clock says 3h26
